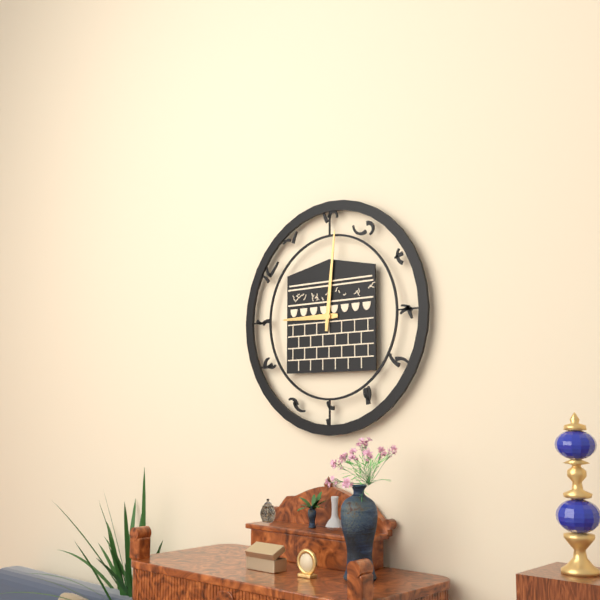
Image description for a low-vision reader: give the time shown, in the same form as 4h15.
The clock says 9h01
